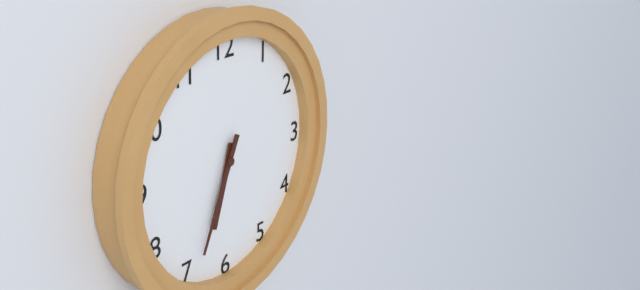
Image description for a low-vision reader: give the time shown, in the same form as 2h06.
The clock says 6h34
